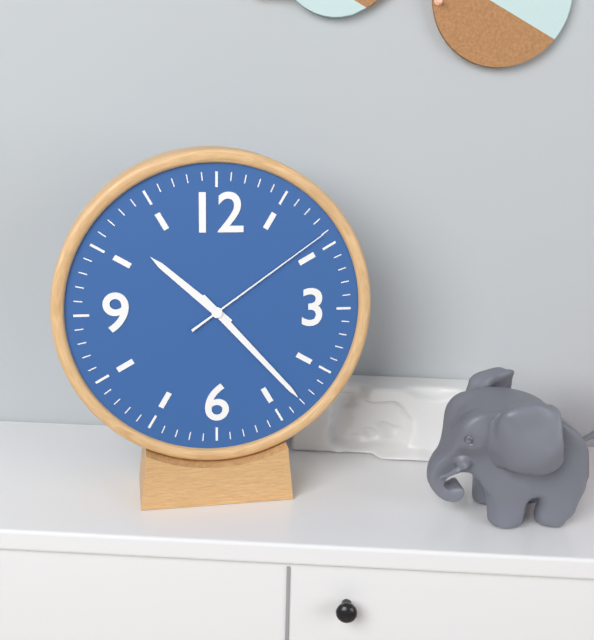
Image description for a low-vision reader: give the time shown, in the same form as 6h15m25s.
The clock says 10h23m09s
